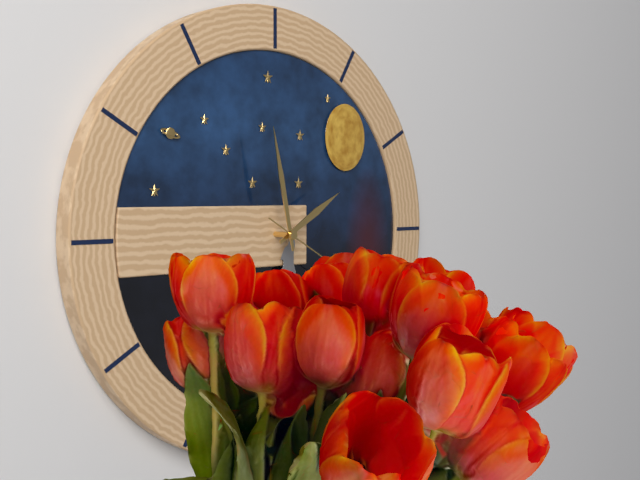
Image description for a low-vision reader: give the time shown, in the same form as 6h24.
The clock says 1h58
